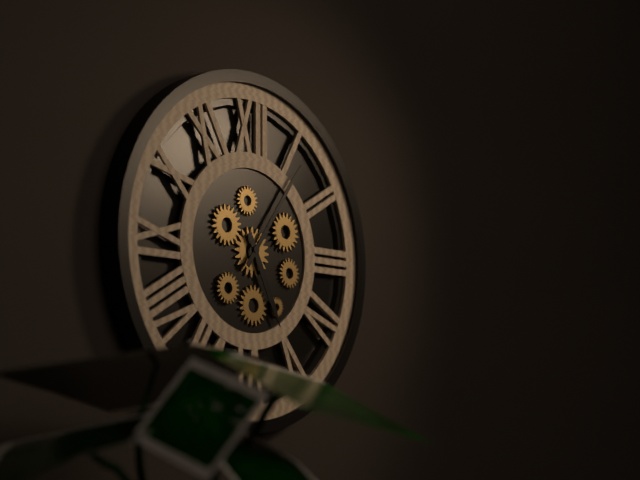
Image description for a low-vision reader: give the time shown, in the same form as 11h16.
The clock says 5h06
